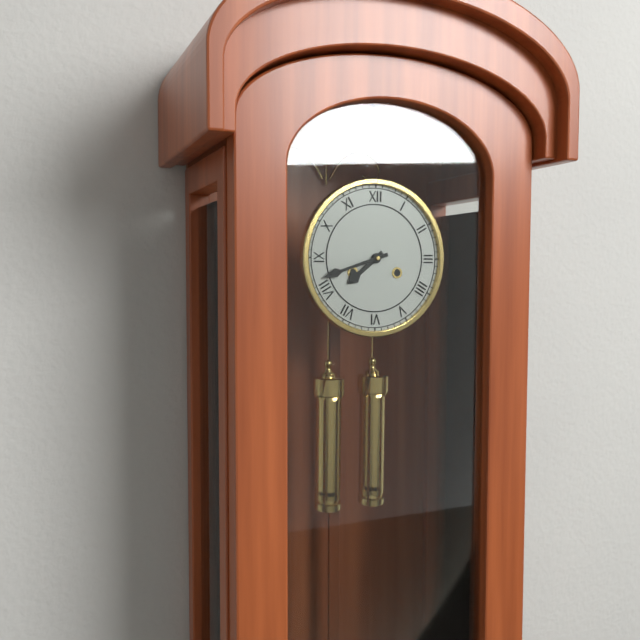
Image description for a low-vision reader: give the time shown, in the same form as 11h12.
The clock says 7h42
